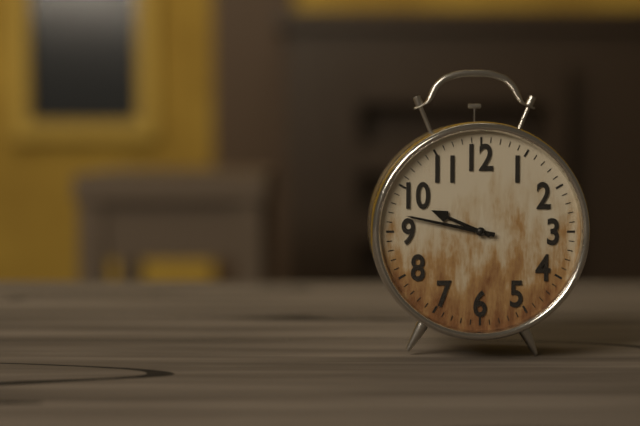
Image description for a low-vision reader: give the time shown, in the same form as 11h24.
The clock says 9h47
